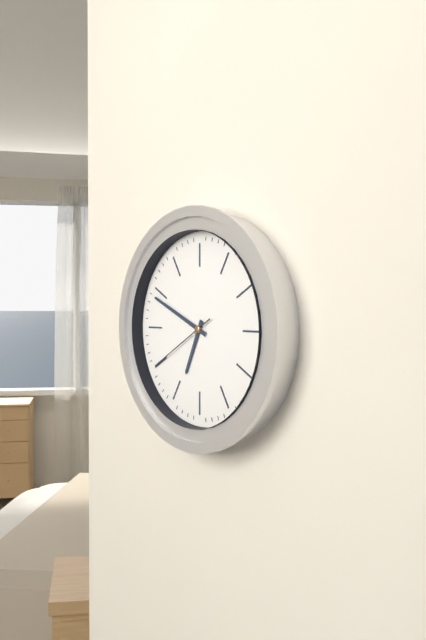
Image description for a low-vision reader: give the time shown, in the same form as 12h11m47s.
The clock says 6h49m40s
